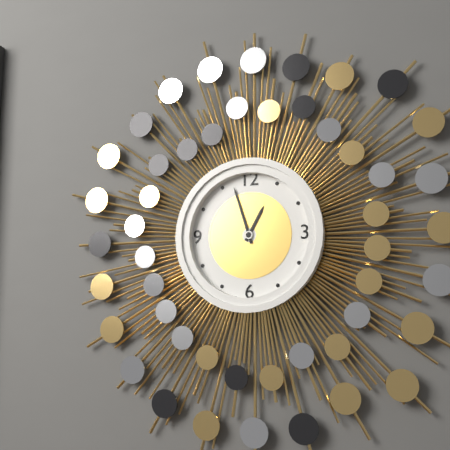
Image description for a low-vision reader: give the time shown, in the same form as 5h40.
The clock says 12h57
